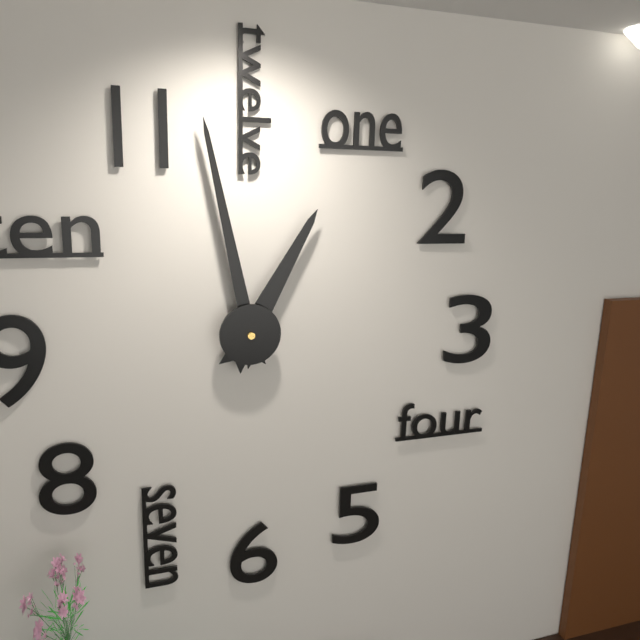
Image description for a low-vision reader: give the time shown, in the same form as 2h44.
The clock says 12h58
